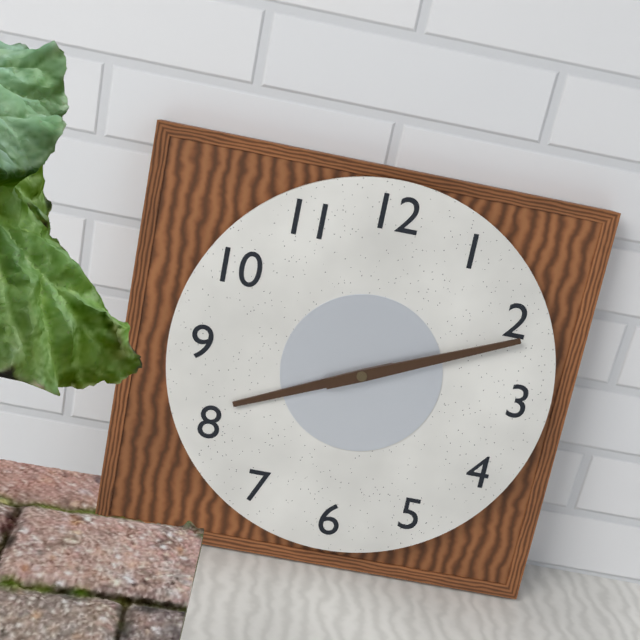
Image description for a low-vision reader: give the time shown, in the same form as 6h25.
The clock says 8h11
